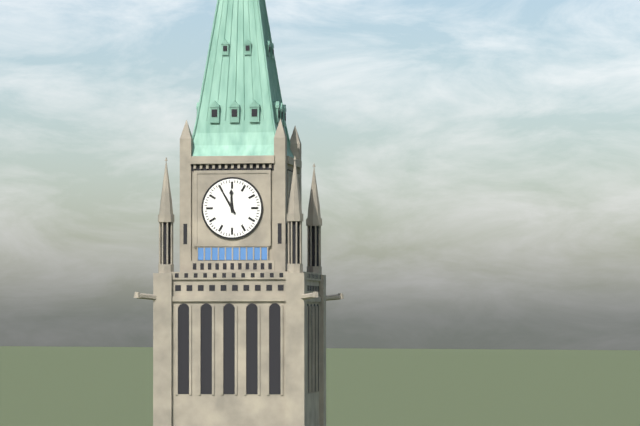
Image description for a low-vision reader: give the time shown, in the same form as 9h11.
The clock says 11h55
